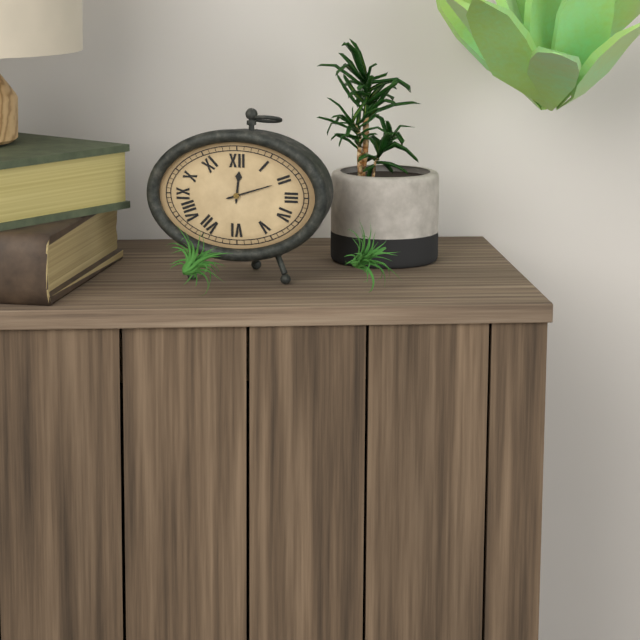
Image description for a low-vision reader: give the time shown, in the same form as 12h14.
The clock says 12h12
